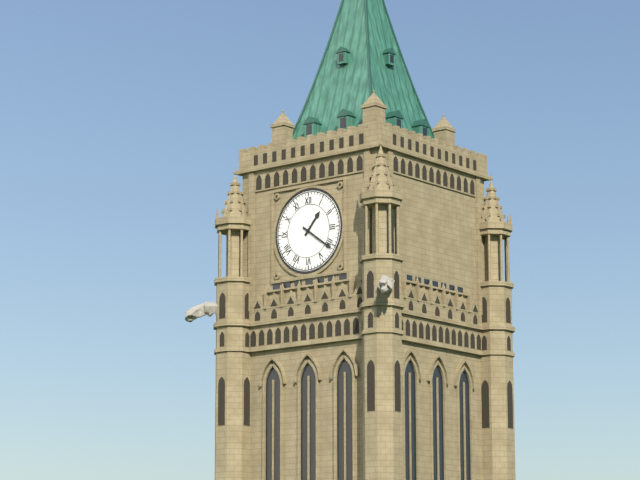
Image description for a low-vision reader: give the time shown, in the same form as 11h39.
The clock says 1h21
